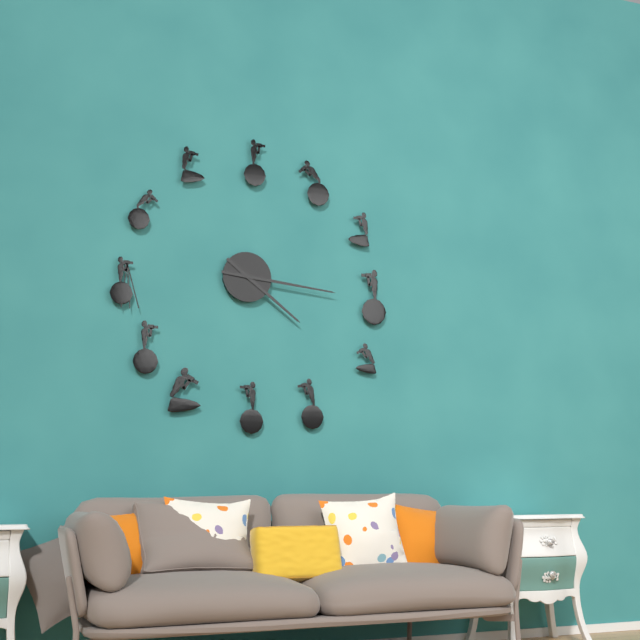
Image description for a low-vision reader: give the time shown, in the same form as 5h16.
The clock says 4h16
